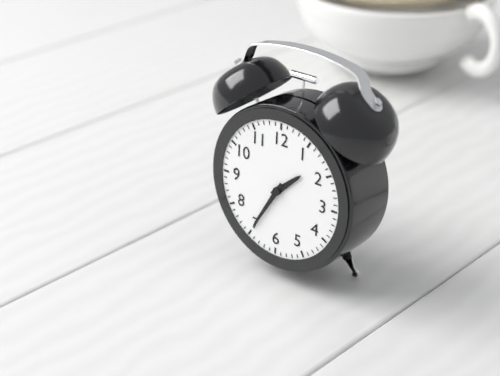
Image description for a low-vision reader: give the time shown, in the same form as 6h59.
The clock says 1h35
